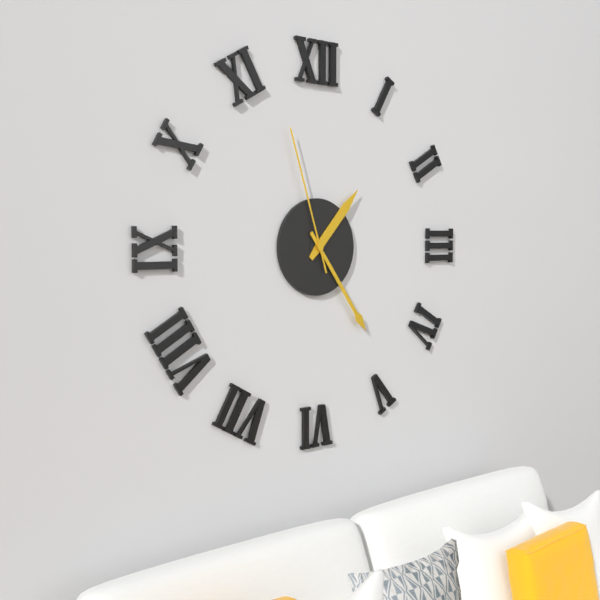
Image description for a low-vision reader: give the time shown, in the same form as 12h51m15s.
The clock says 1h24m57s
